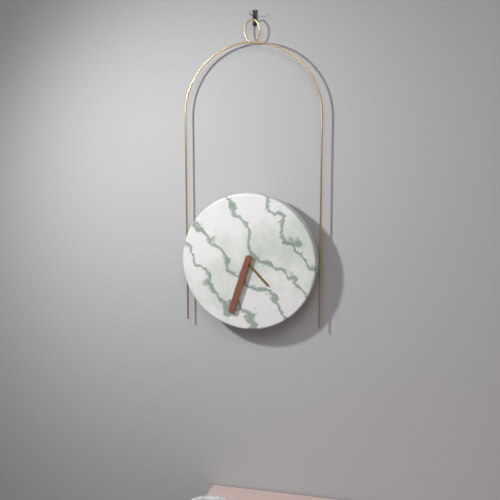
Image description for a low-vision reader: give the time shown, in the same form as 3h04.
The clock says 4h33
